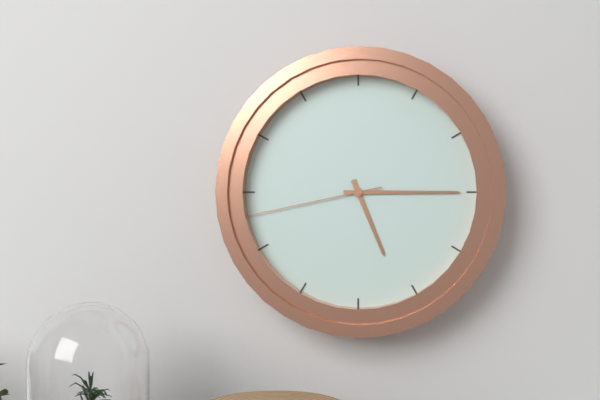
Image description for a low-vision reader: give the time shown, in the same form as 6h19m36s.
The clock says 5h15m43s
